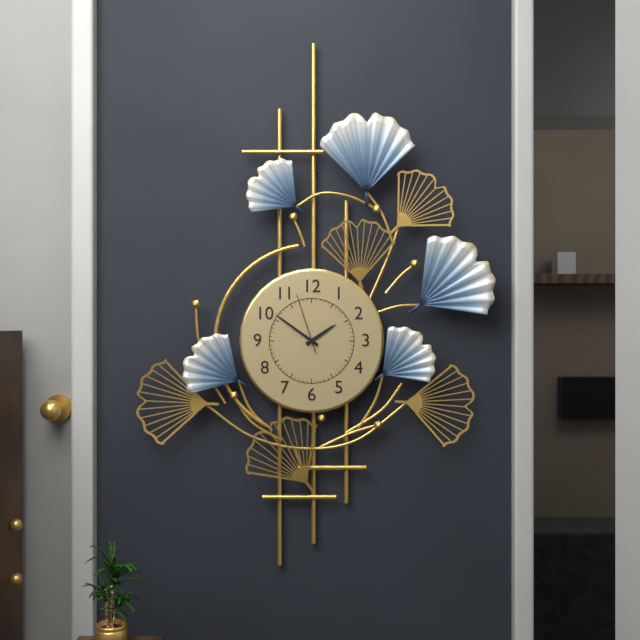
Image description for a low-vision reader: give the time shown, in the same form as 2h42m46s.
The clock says 1h51m57s
